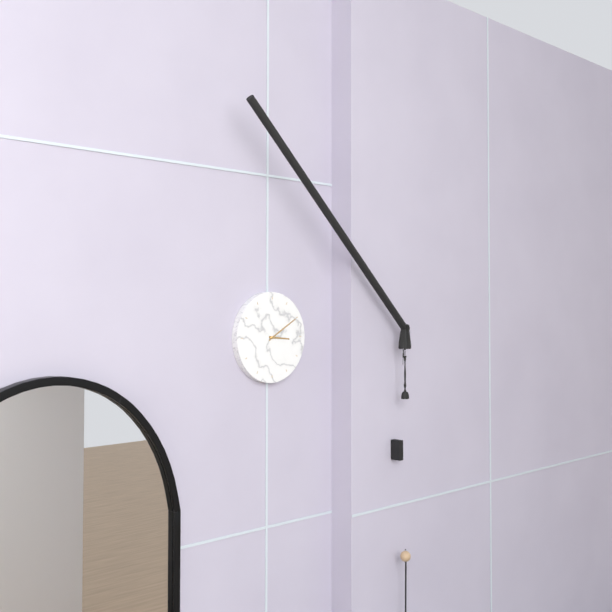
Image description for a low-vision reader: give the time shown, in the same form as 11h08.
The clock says 3h10
